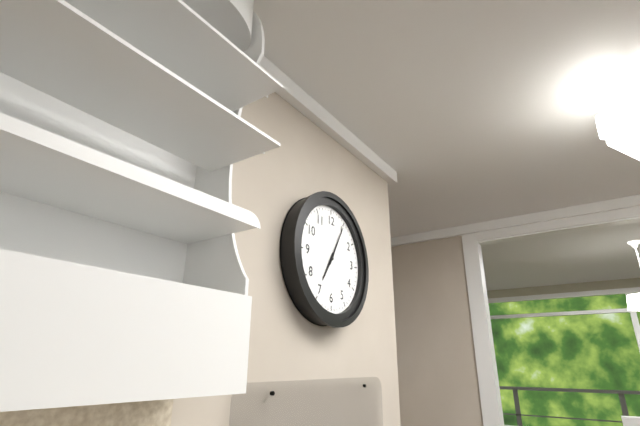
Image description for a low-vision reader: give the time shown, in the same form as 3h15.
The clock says 7h05
